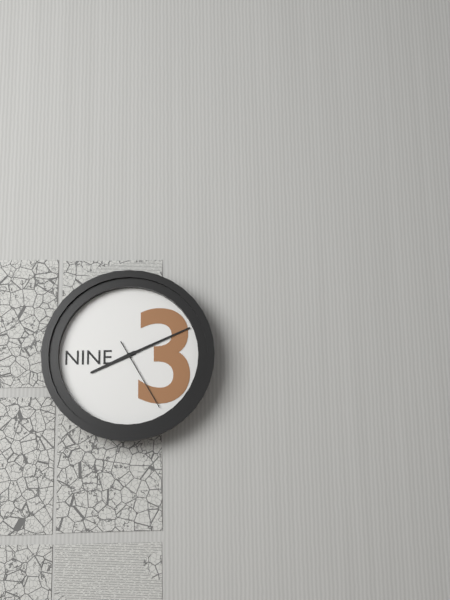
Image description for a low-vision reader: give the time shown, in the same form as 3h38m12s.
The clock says 8h11m25s
